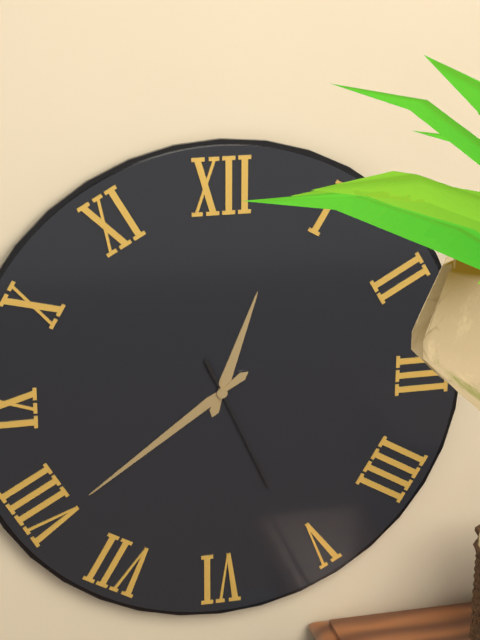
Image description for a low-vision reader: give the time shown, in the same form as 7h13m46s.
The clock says 12h39m26s
